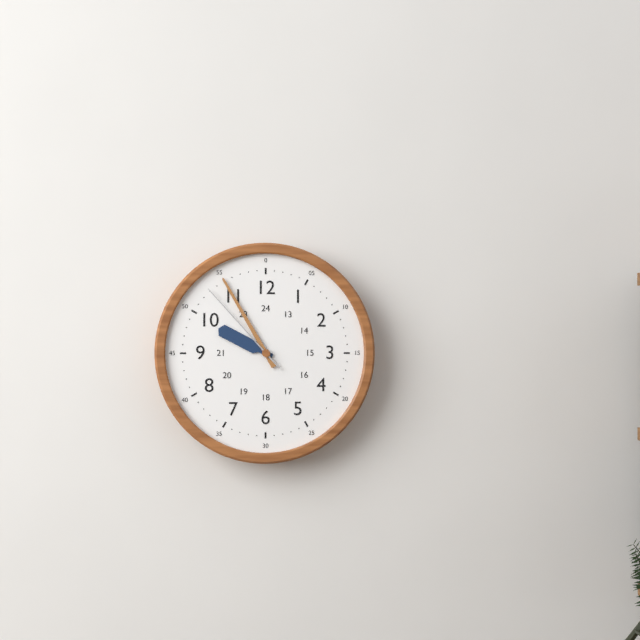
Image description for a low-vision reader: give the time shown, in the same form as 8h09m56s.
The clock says 9h55m53s
